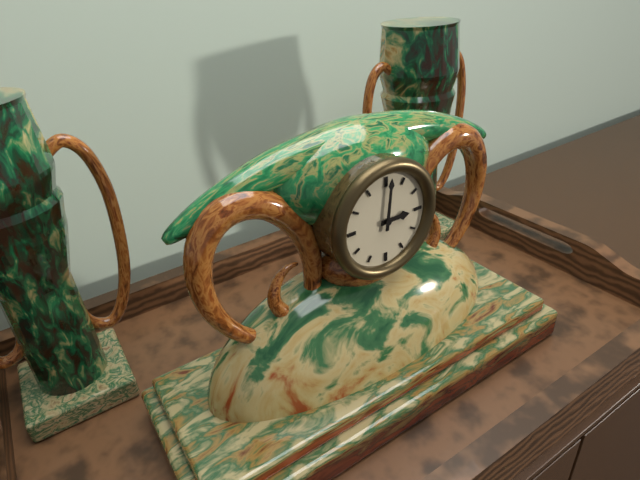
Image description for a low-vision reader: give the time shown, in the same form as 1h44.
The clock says 3h01
